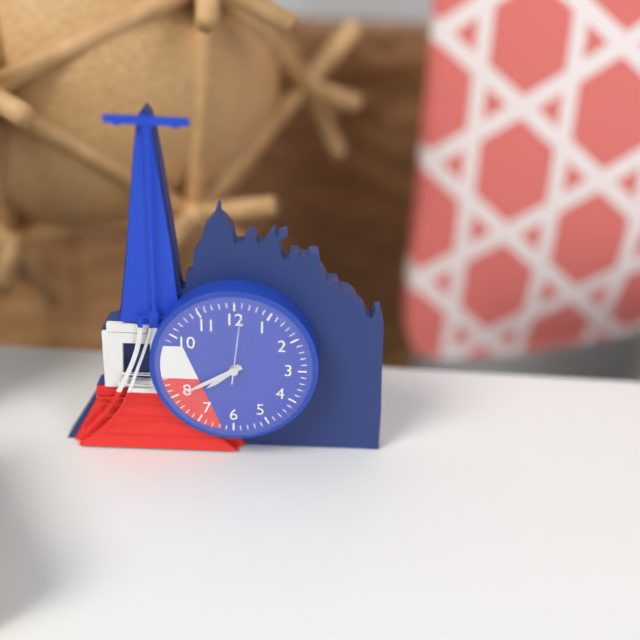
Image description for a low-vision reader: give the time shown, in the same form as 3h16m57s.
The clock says 7h40m01s
